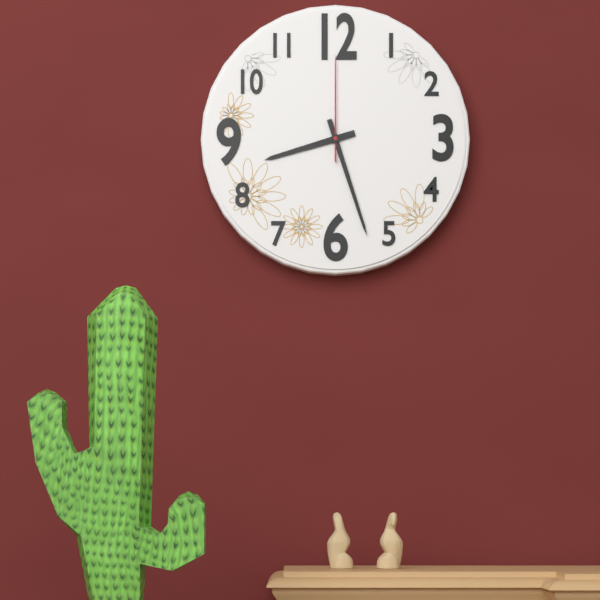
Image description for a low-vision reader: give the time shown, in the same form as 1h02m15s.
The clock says 8h27m00s
